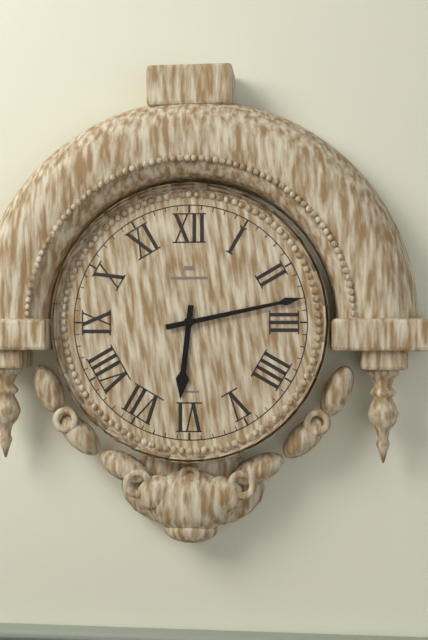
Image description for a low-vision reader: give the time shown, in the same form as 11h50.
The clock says 6h13
